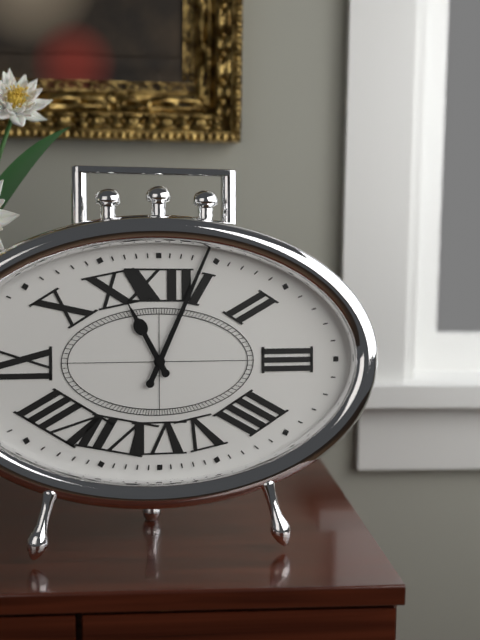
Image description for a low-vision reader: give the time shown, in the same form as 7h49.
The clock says 11h04
